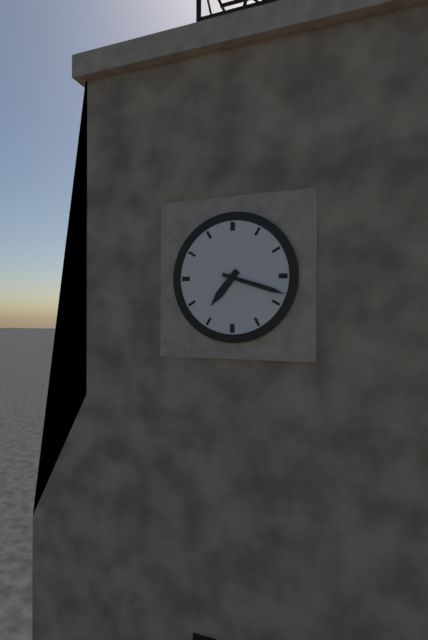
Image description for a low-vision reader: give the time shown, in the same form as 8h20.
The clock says 7h18
